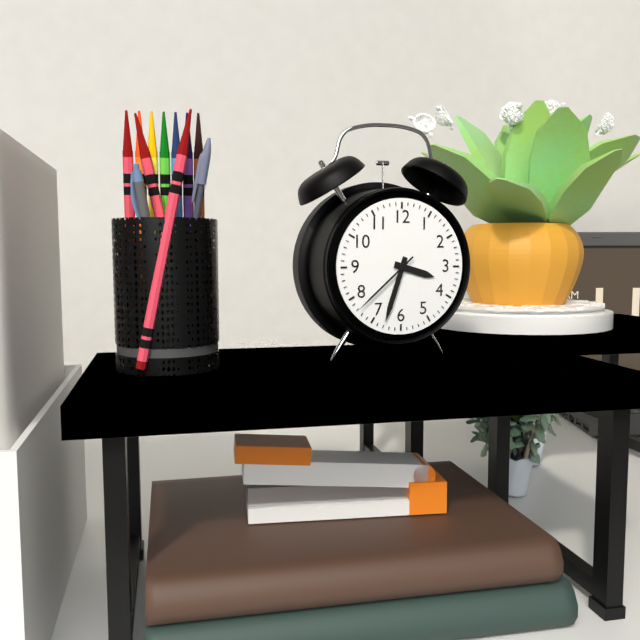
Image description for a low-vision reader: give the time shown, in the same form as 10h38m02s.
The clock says 3h33m38s
